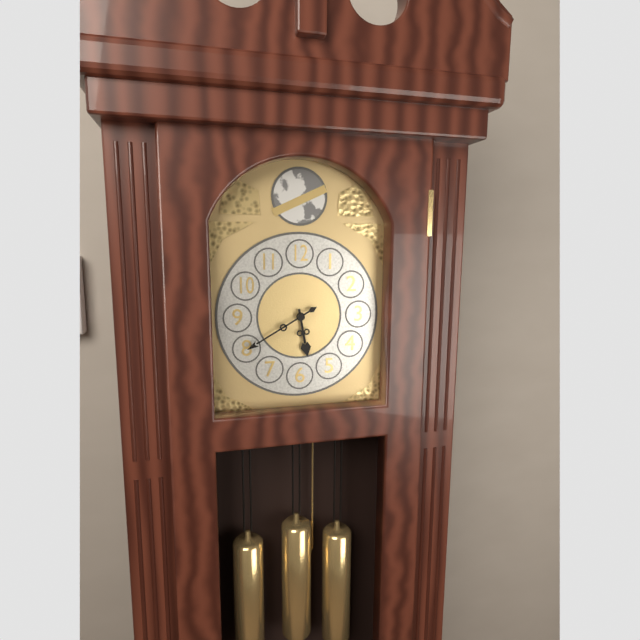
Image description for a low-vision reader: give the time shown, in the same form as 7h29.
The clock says 5h40
